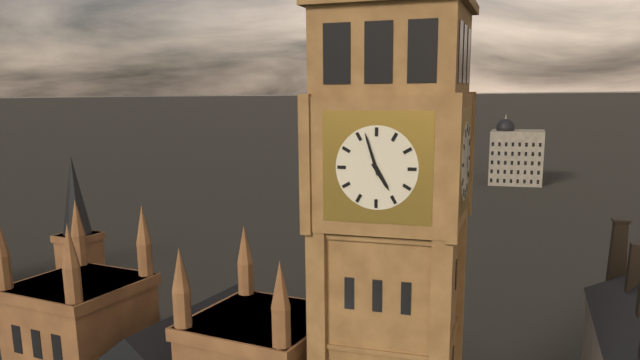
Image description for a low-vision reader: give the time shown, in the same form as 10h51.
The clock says 4h57
